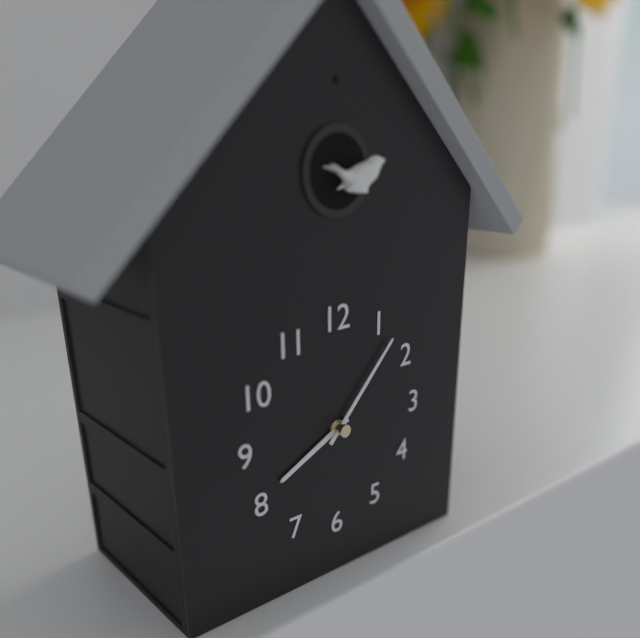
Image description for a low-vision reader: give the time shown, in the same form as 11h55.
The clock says 8h07
